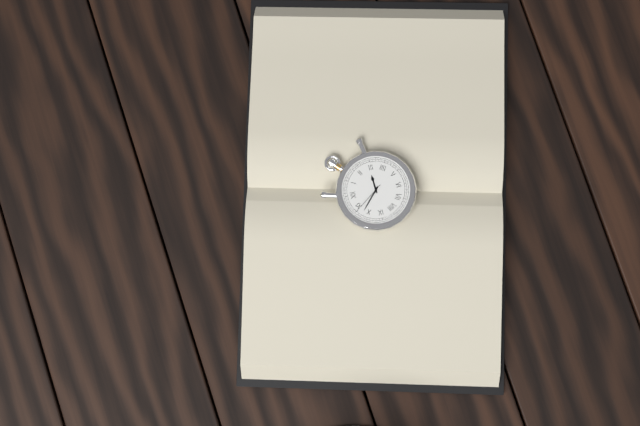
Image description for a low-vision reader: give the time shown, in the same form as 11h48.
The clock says 2h52
